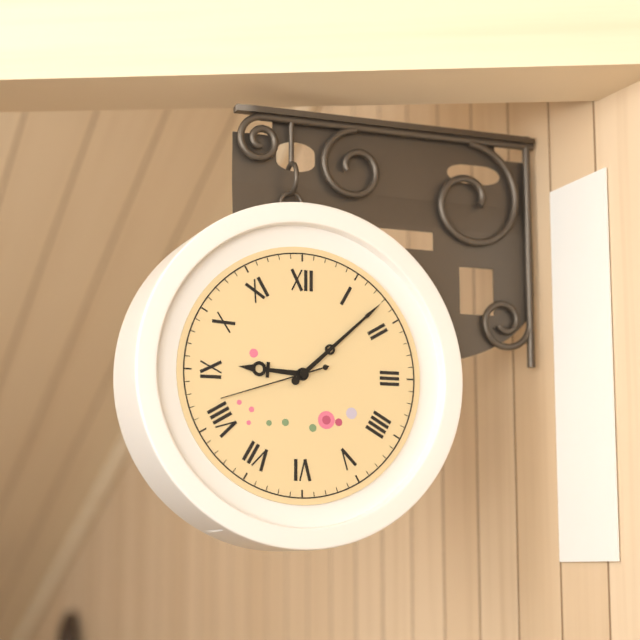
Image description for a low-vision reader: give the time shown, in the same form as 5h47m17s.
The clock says 9h08m42s
